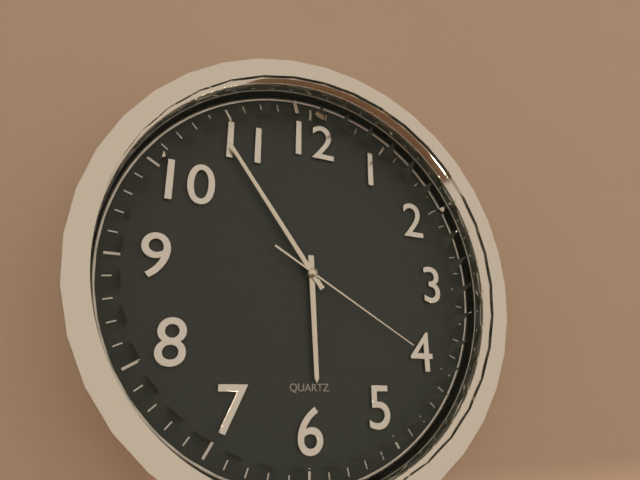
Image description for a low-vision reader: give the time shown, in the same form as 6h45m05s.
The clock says 5h54m20s
